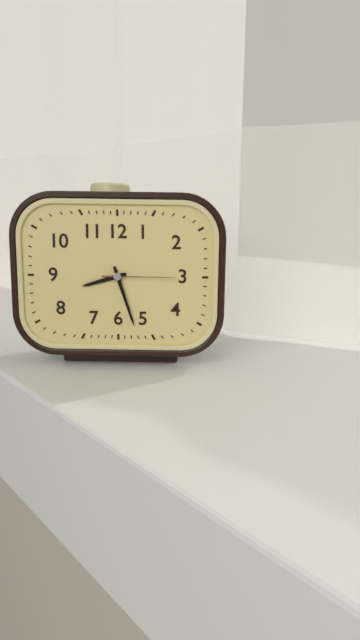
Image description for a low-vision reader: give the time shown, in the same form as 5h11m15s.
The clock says 8h27m15s
